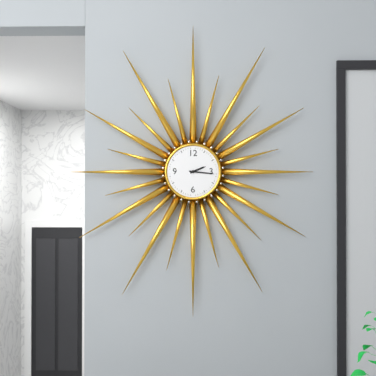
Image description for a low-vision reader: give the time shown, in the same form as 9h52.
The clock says 2h16
